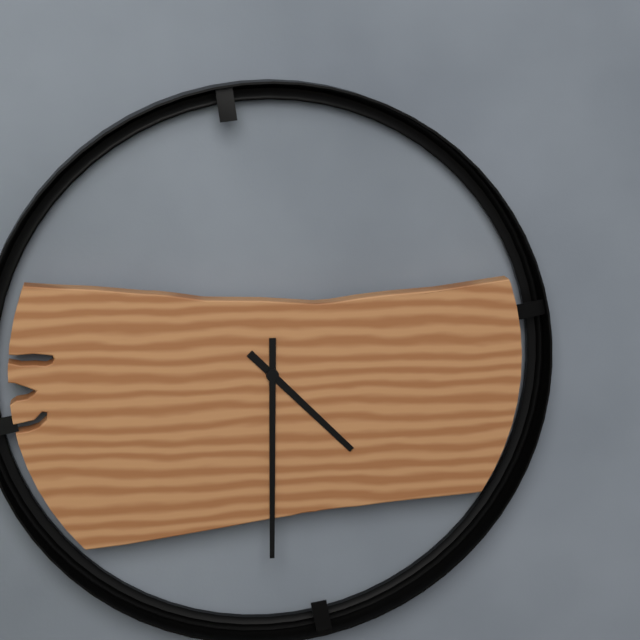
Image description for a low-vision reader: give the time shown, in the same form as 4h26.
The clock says 4h30
